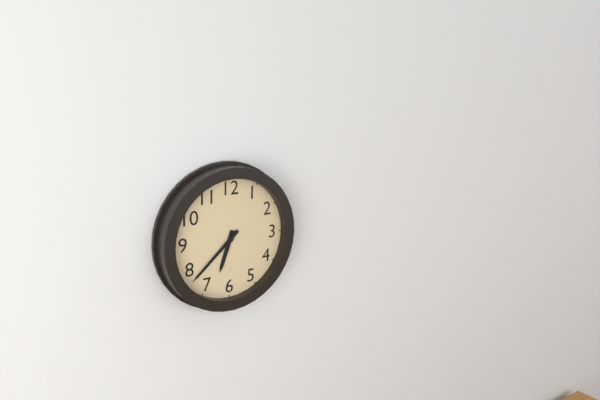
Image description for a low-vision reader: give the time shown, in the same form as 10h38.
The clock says 6h38
